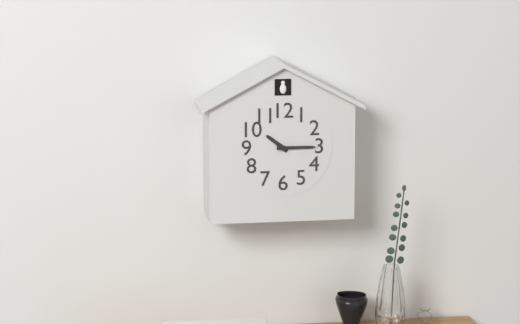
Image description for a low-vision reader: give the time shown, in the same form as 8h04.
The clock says 10h15
